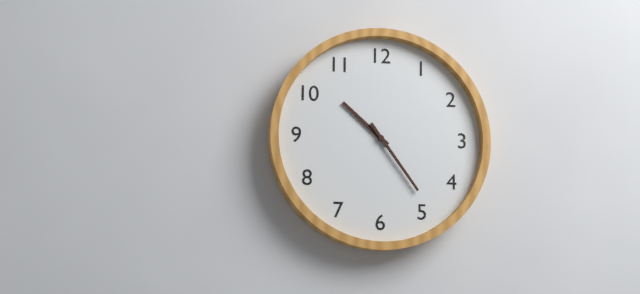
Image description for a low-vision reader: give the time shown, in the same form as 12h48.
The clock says 10h24
